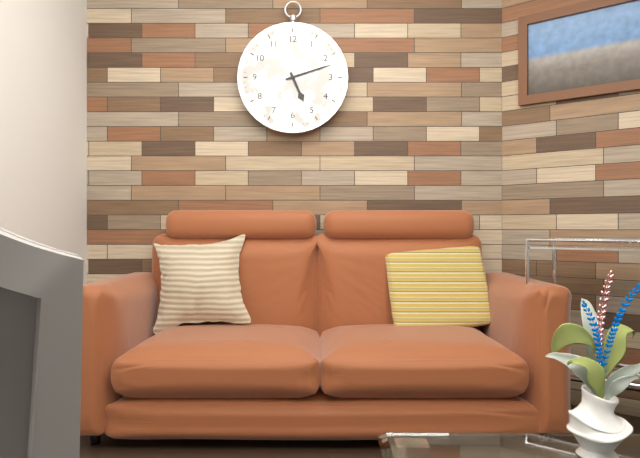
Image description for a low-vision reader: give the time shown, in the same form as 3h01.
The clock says 5h12
